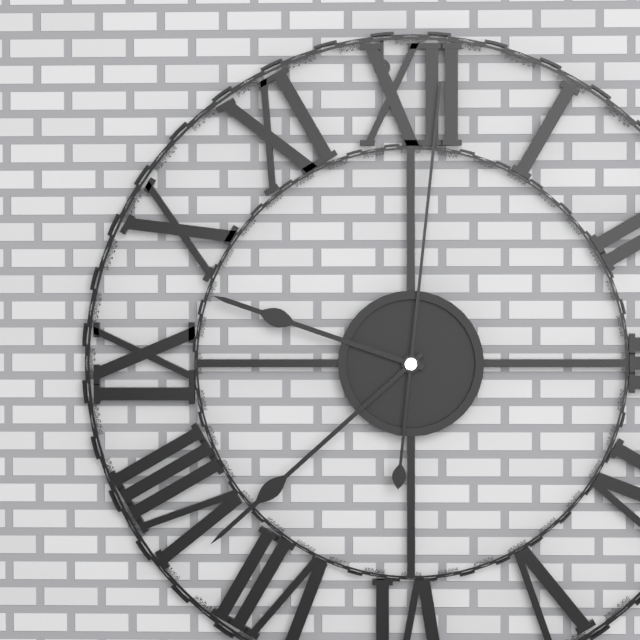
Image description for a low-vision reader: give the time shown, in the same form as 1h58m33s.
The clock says 9h38m01s
